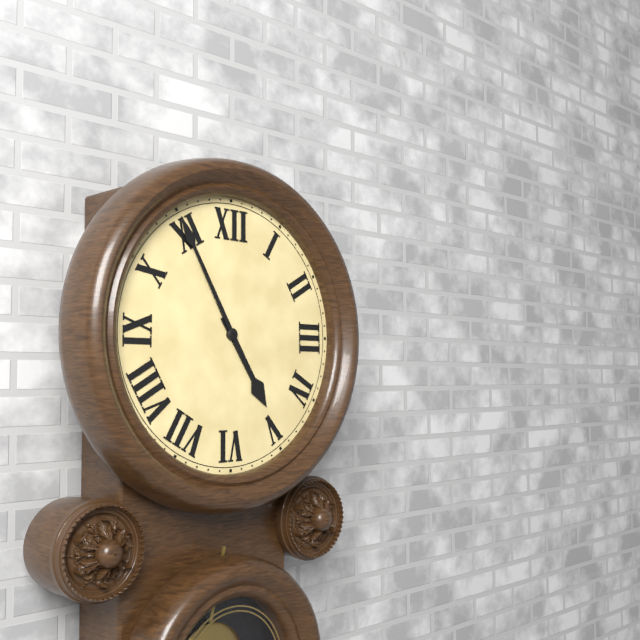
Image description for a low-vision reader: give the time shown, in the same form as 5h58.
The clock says 4h55
